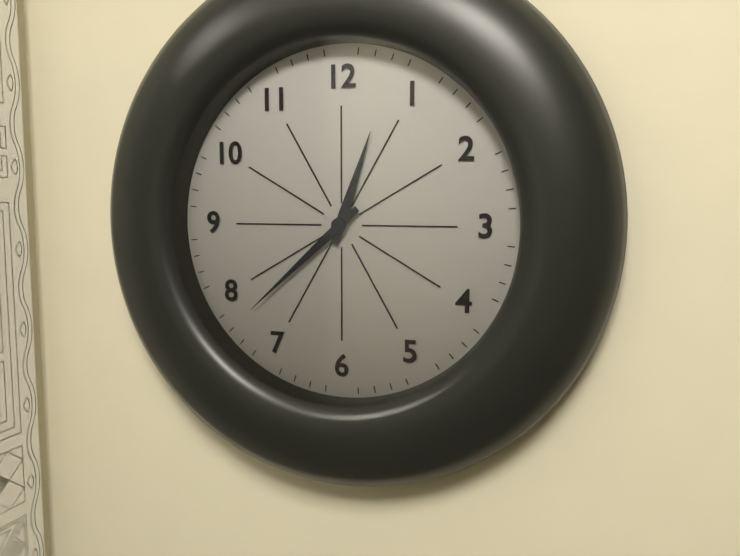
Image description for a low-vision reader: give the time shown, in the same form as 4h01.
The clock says 12h38
